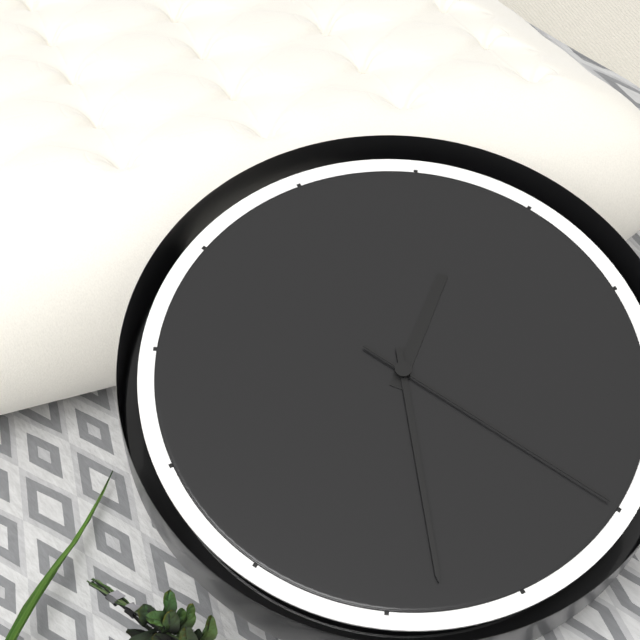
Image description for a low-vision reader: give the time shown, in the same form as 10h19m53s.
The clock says 1h33m25s
